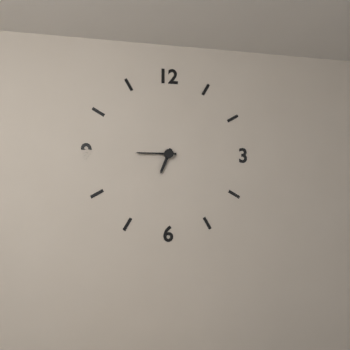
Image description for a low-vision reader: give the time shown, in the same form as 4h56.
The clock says 6h45
